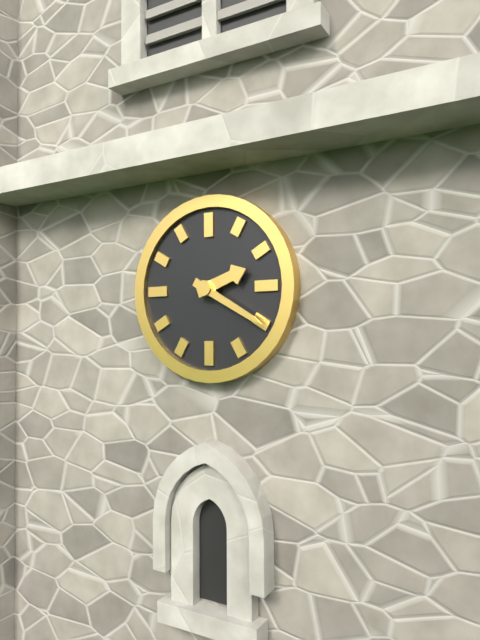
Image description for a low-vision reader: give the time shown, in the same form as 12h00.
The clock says 2h20
